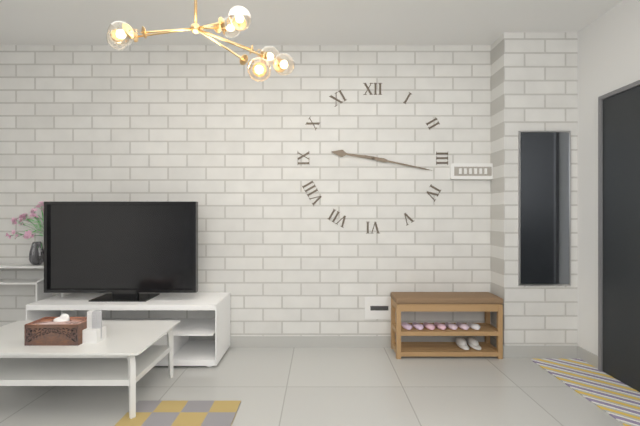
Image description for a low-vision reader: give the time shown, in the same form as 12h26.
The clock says 9h17
